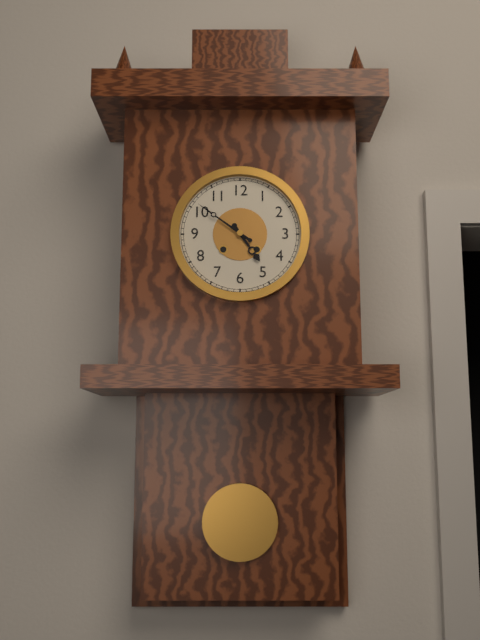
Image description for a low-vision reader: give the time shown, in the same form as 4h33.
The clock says 4h51
